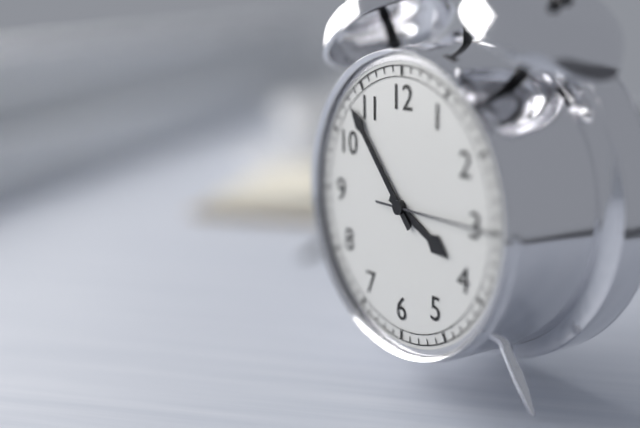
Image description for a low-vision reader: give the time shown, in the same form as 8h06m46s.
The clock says 3h53m15s
